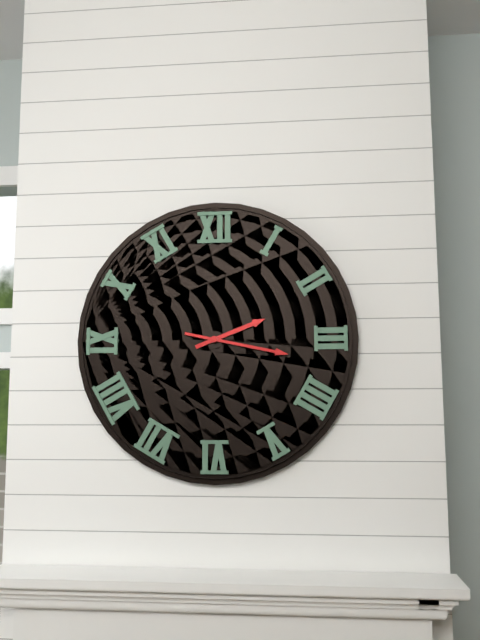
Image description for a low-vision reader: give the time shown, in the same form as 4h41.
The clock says 2h17
